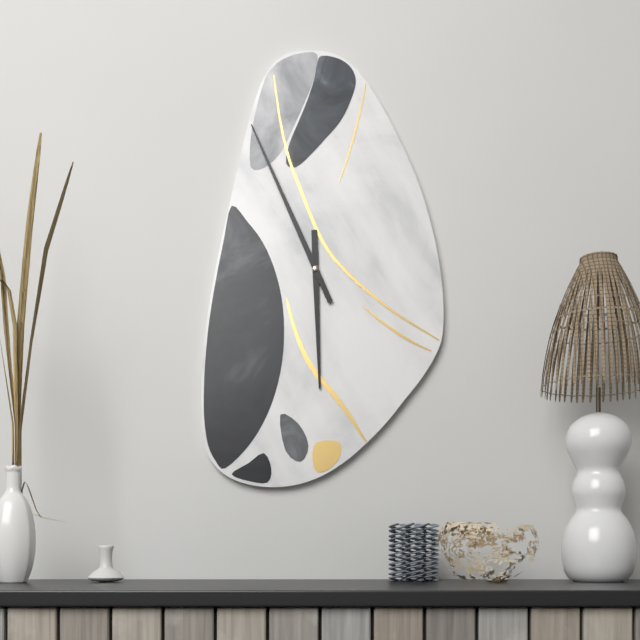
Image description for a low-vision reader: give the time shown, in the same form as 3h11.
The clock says 5h56
